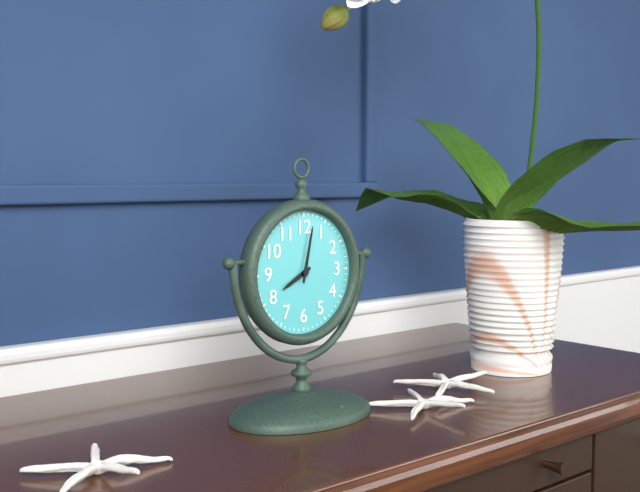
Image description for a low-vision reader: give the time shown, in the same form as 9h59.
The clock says 8h02
